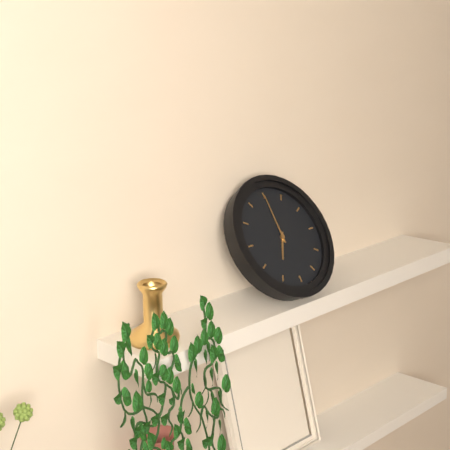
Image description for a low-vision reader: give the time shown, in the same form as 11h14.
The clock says 7h00
